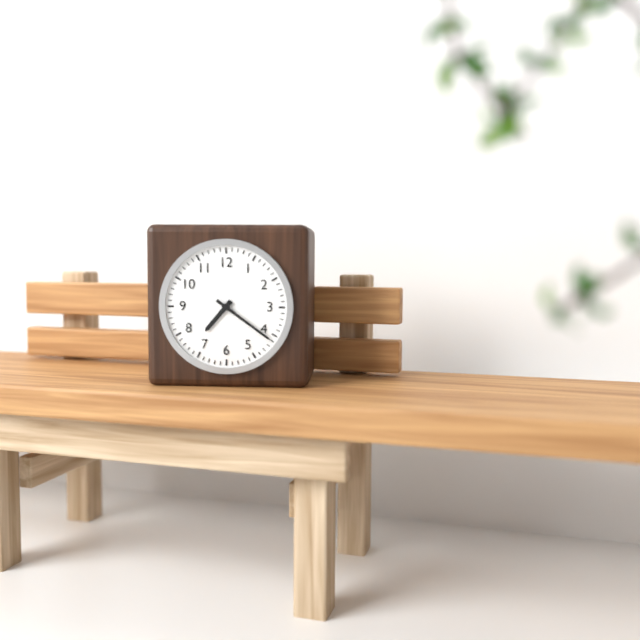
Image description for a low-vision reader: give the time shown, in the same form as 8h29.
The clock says 7h21
